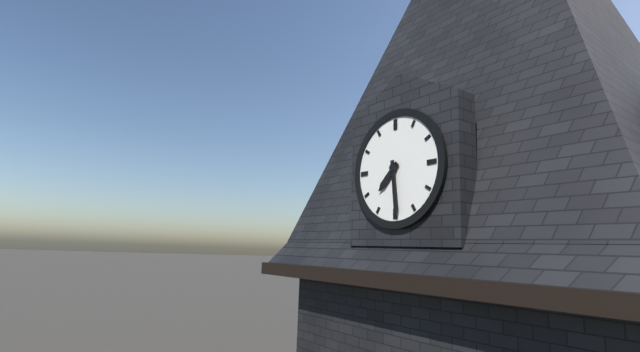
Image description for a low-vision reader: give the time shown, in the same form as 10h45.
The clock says 7h29
